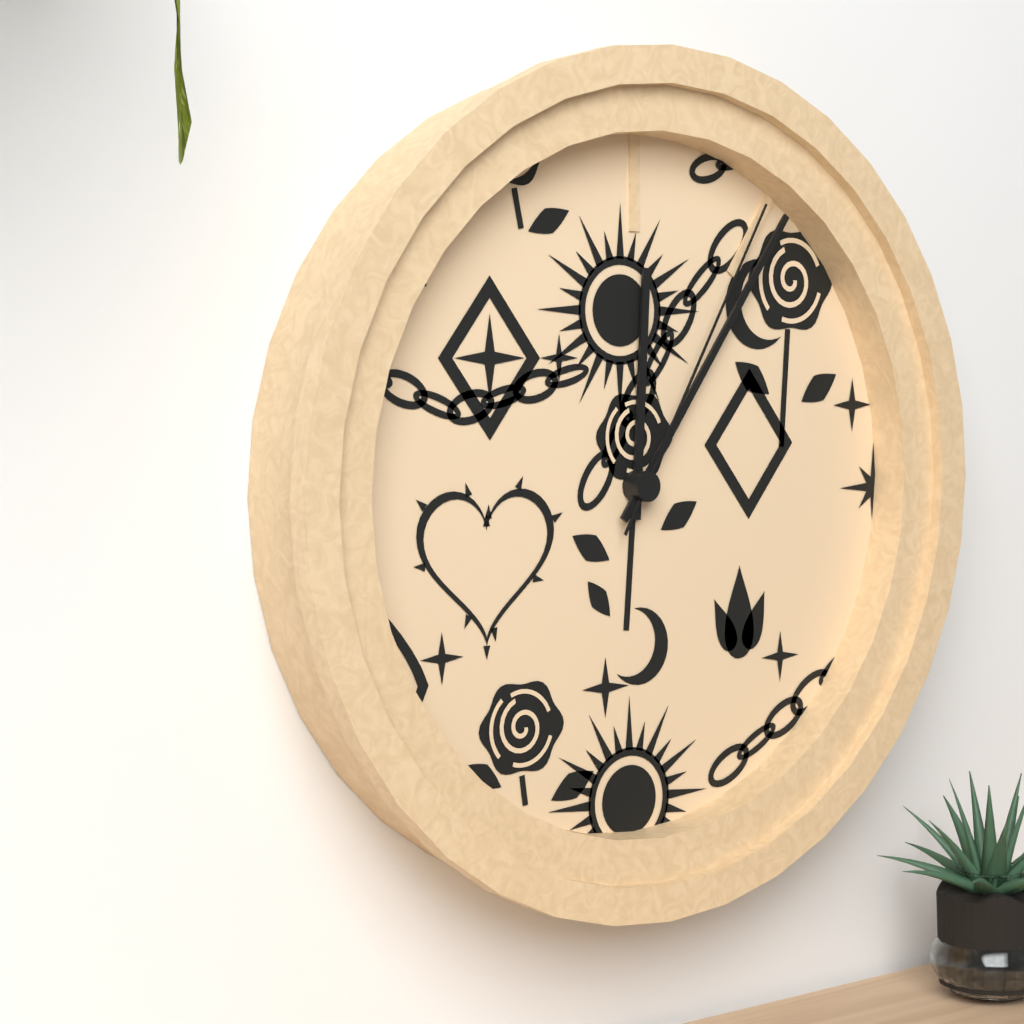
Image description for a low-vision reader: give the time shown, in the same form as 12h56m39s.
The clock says 12h06m05s
